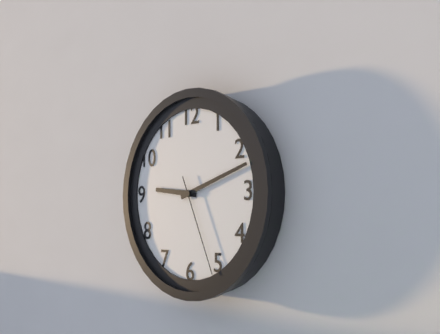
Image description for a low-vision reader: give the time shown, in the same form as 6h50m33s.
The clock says 9h12m26s
